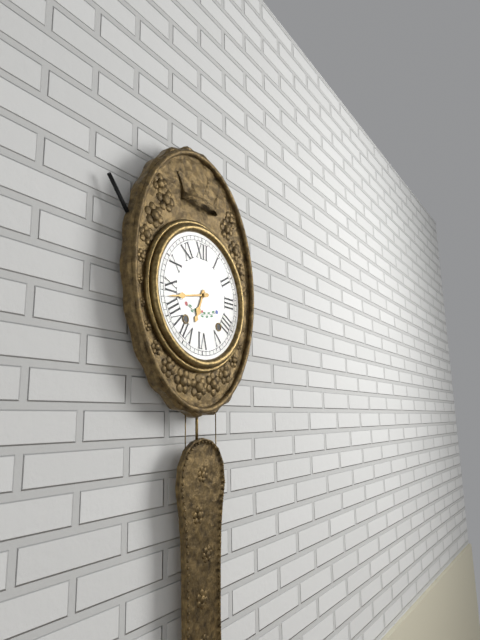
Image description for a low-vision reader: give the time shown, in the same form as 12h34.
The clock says 6h43
